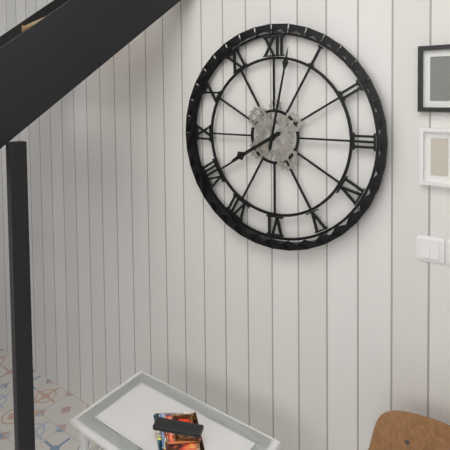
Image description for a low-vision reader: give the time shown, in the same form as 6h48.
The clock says 8h02
